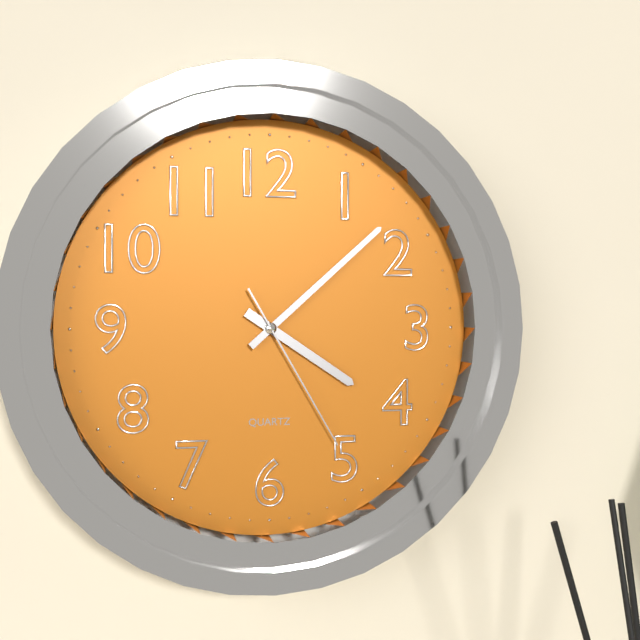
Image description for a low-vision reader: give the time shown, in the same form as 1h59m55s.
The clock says 4h08m25s
